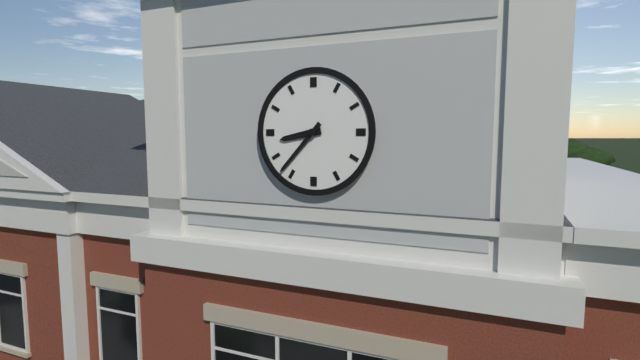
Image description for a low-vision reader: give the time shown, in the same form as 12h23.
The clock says 8h37
